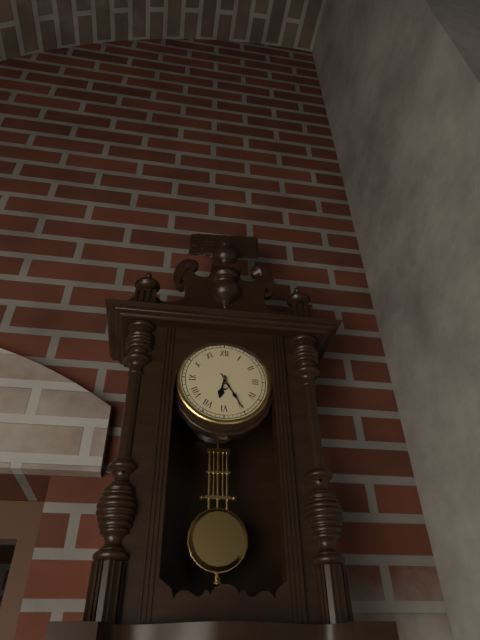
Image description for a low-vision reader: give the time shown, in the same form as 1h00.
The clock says 6h25
